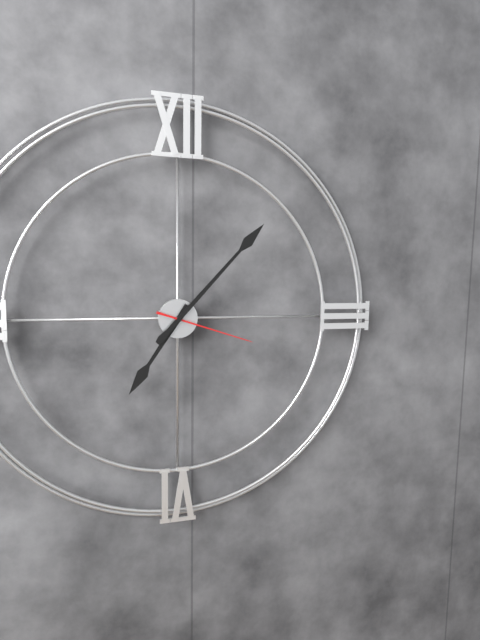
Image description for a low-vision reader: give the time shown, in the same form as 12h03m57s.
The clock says 7h07m18s
